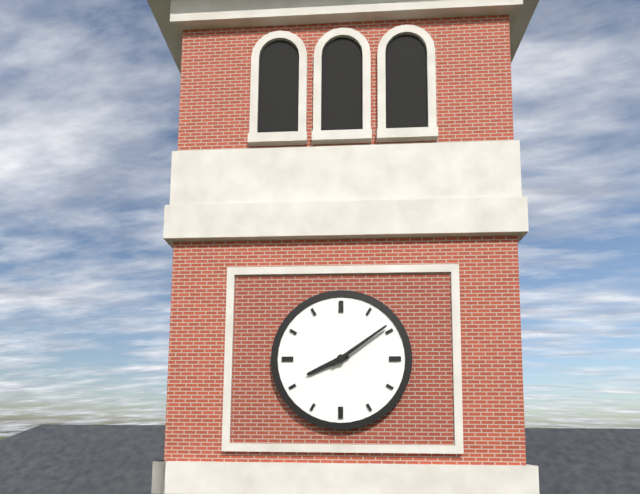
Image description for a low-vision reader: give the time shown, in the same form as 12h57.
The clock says 8h09
